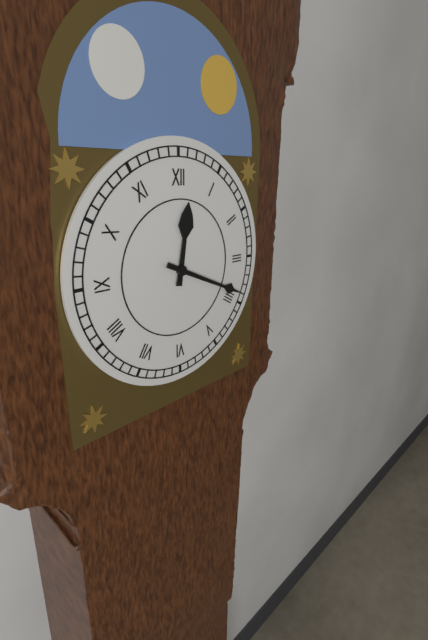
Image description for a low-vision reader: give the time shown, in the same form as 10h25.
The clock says 12h19
